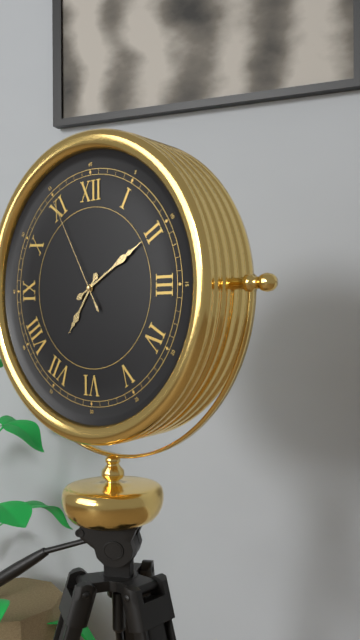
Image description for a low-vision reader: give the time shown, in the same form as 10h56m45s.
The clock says 7h10m55s
